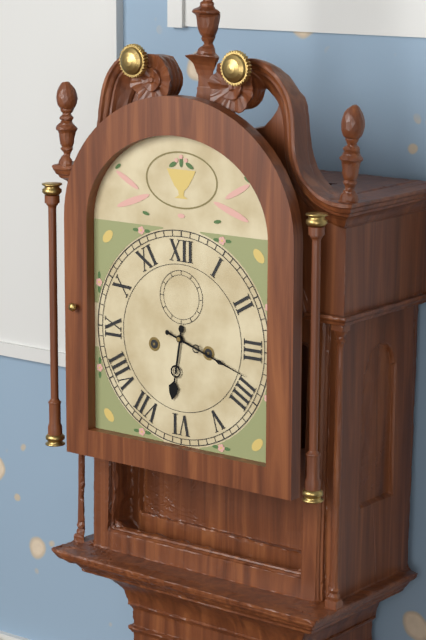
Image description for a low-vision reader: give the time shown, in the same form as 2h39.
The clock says 6h18
